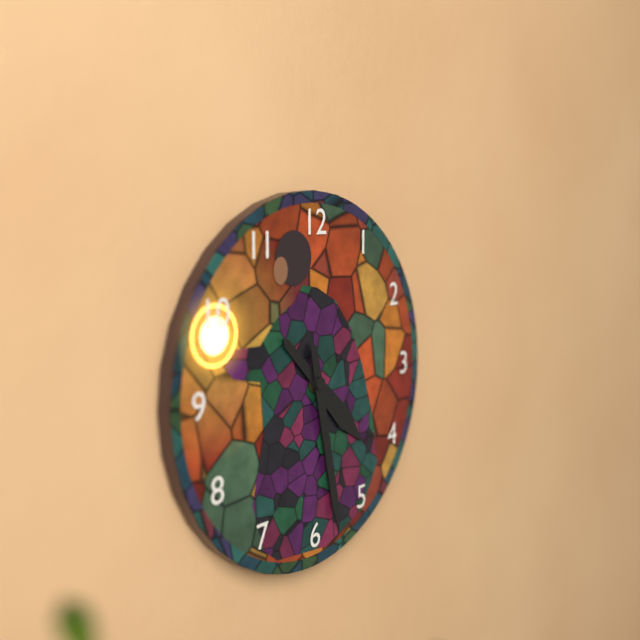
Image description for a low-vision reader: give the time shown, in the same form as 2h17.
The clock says 4h28
